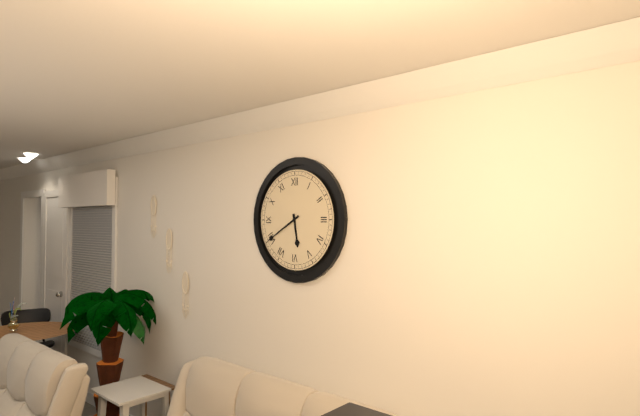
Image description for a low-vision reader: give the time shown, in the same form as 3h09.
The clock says 5h40
